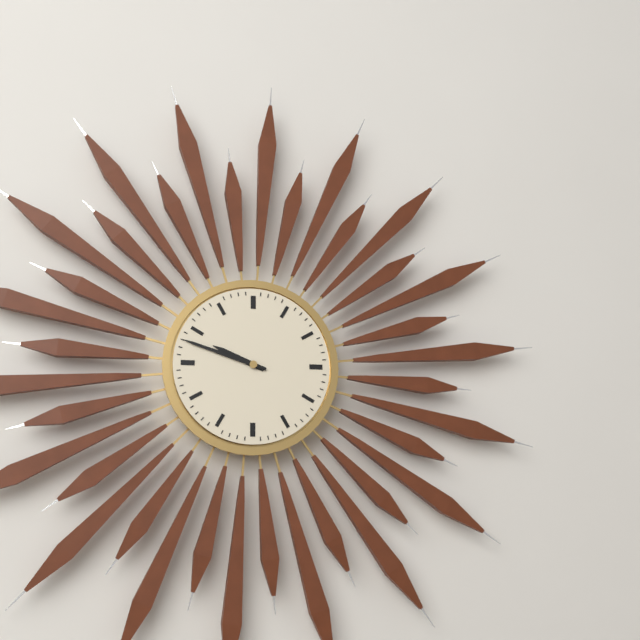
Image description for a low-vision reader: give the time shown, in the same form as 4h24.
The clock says 9h48
